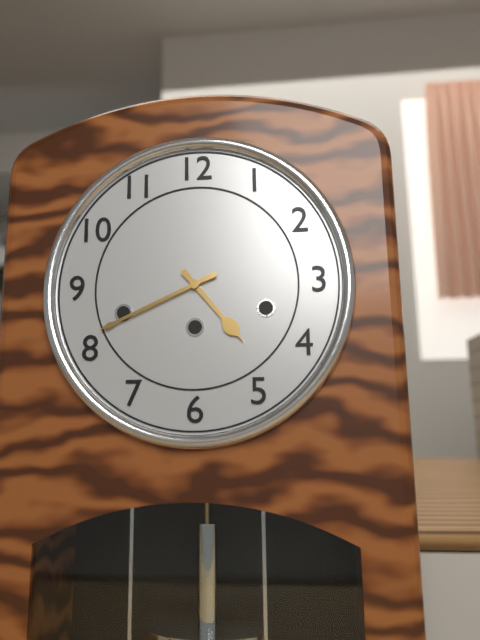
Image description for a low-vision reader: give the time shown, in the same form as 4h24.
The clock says 4h41
